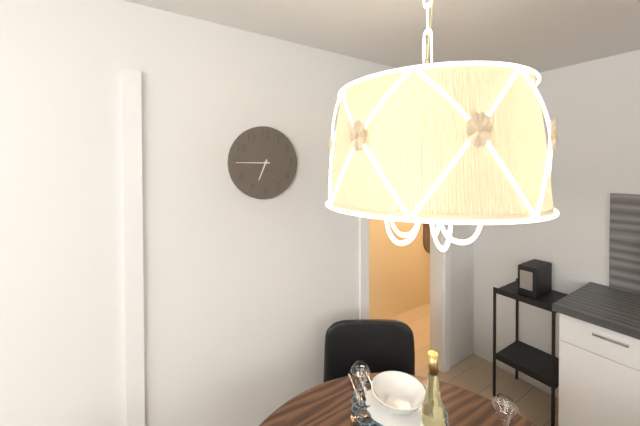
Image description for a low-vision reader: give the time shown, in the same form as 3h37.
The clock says 6h45
